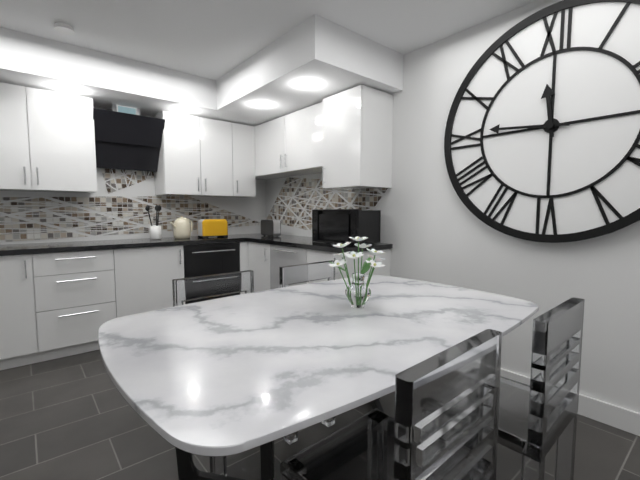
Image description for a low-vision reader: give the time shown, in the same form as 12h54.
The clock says 11h46
